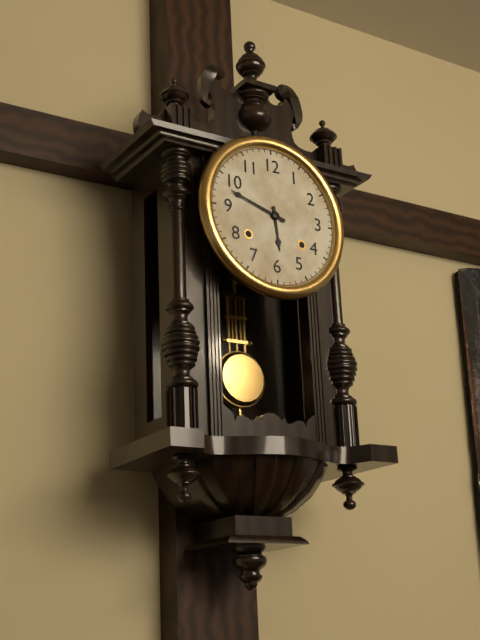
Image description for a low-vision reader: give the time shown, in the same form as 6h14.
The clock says 5h48
